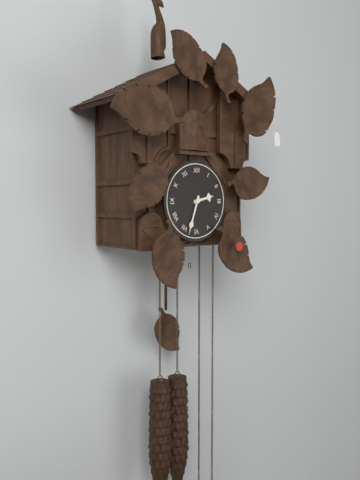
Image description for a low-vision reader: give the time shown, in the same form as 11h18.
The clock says 2h33
